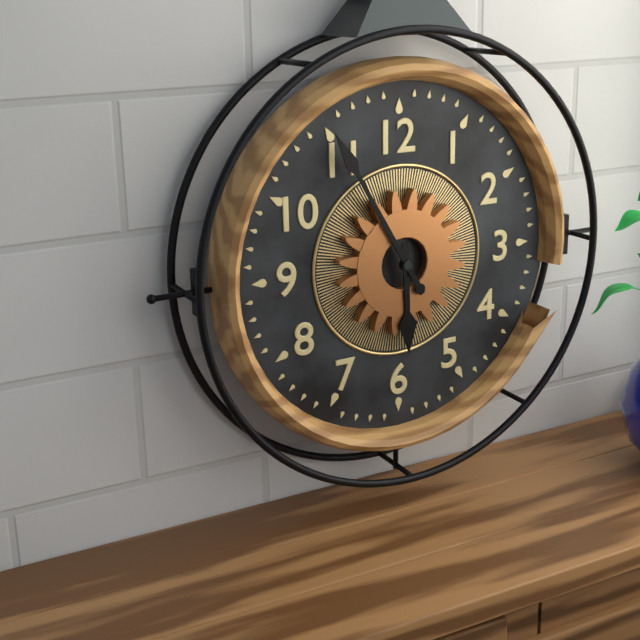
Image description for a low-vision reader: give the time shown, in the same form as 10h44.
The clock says 5h55
